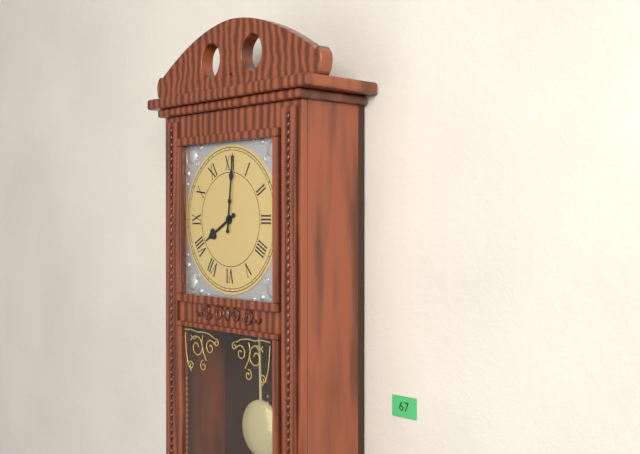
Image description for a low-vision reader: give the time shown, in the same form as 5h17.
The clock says 8h01
